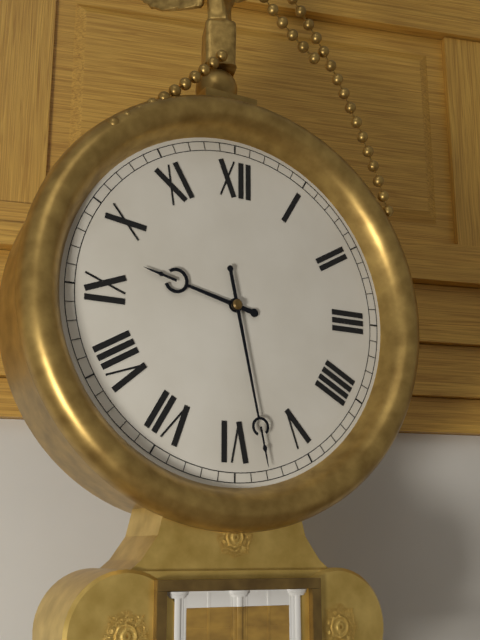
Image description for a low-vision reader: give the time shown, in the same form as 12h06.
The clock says 9h28
